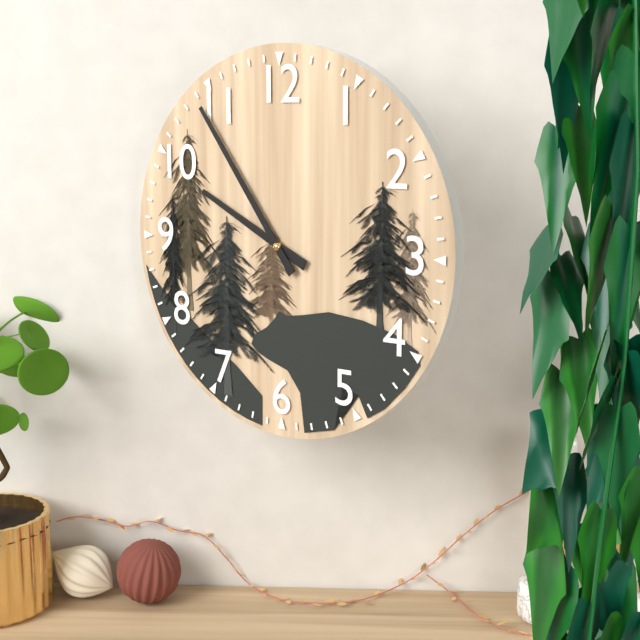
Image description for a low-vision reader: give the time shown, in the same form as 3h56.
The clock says 9h54
